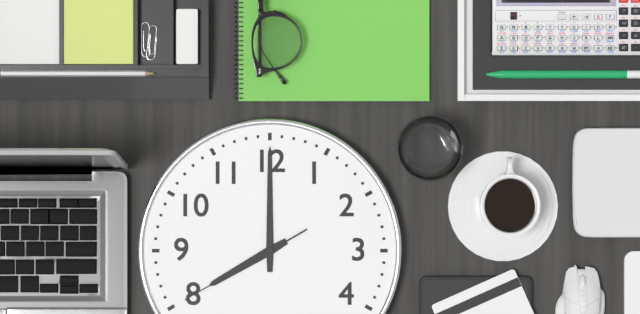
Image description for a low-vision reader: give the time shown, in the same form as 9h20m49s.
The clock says 8h00m40s
